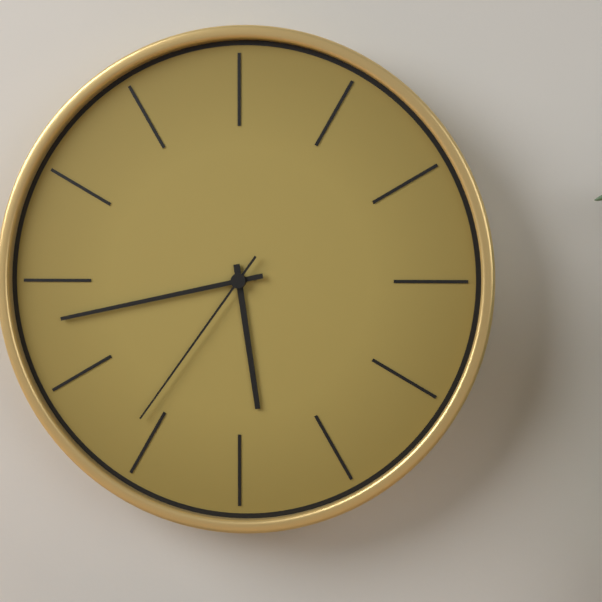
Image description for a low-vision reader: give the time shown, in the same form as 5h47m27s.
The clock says 5h43m36s
